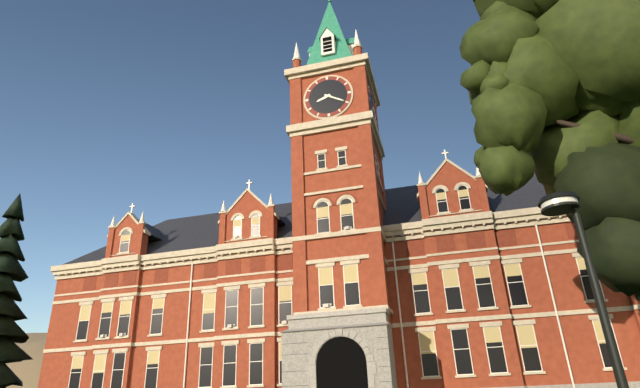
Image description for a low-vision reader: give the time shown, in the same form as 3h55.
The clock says 8h20
